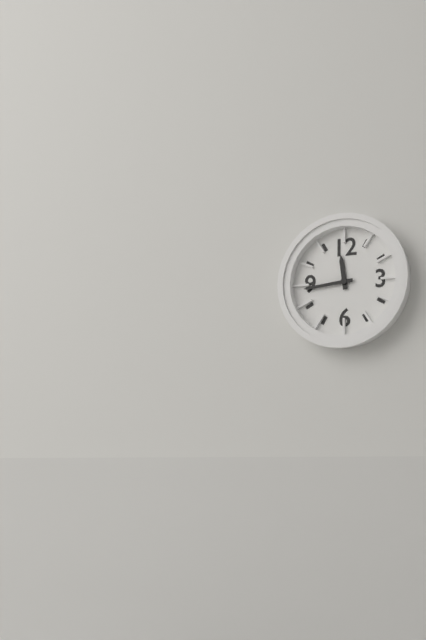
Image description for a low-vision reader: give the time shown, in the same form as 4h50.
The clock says 11h44
